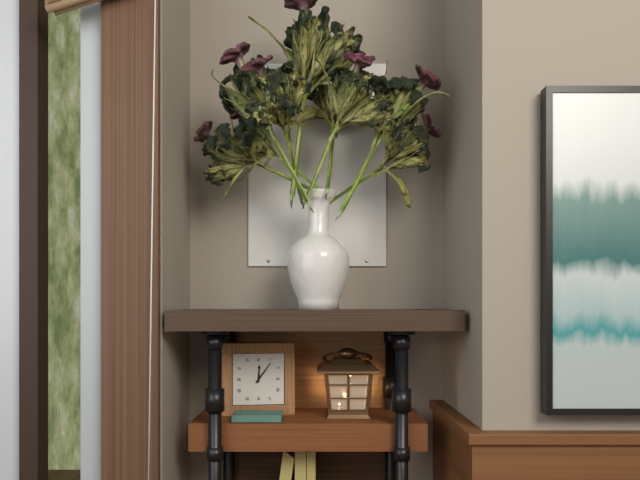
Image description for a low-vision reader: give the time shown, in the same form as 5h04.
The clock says 12h06
